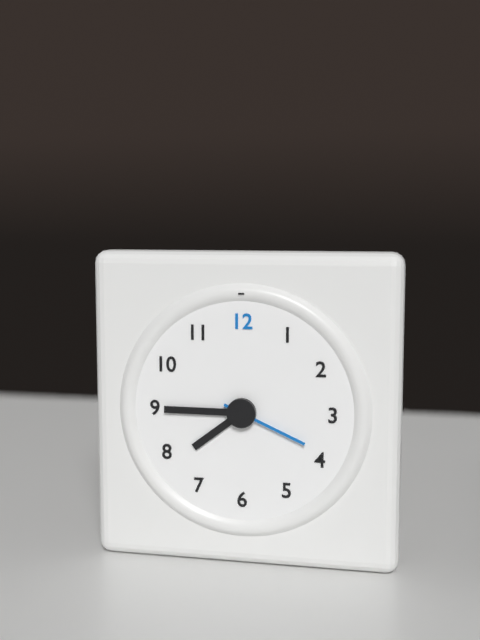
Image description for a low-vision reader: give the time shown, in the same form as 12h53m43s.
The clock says 7h45m19s
